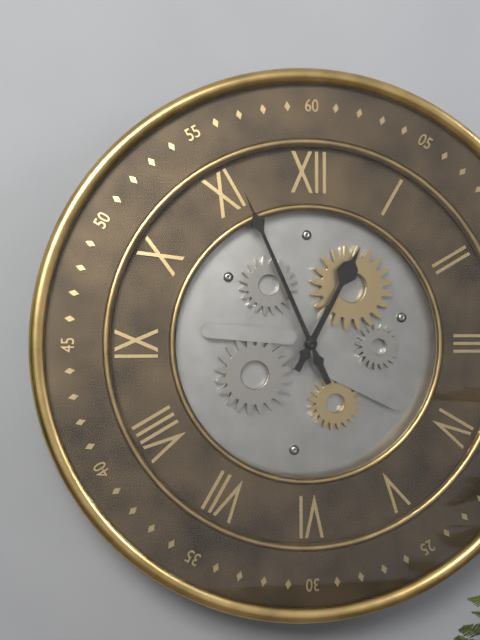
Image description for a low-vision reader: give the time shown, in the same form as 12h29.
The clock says 12h56
